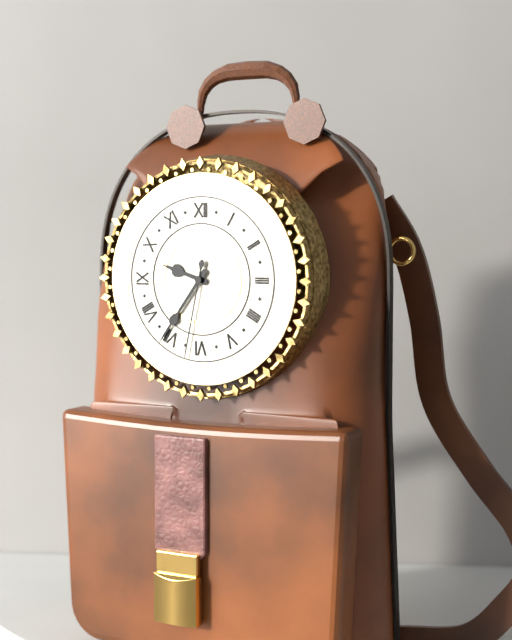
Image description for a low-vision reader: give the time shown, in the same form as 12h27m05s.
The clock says 9h36m32s
